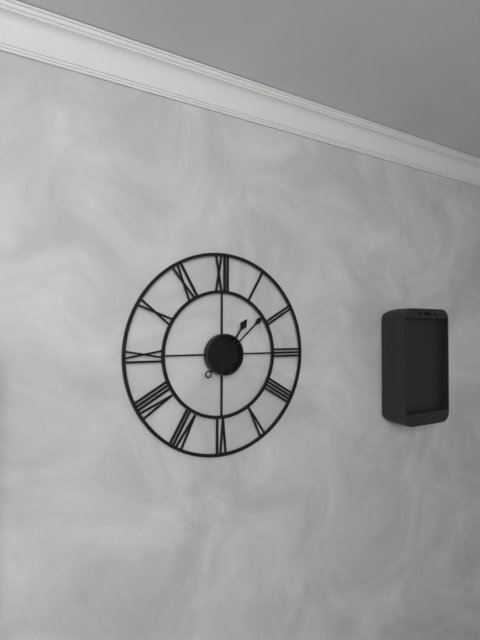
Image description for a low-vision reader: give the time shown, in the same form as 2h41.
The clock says 1h08
